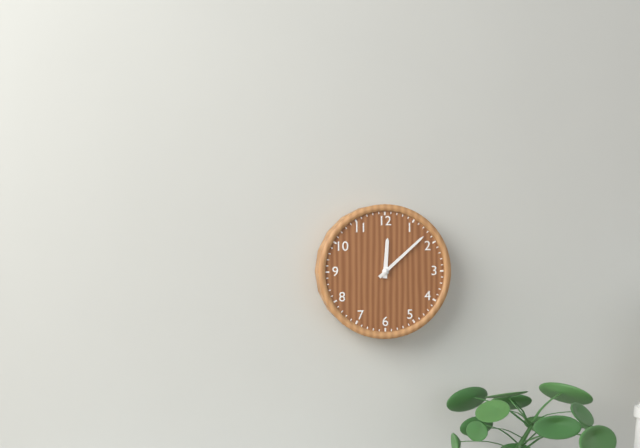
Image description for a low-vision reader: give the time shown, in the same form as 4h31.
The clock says 12h08
